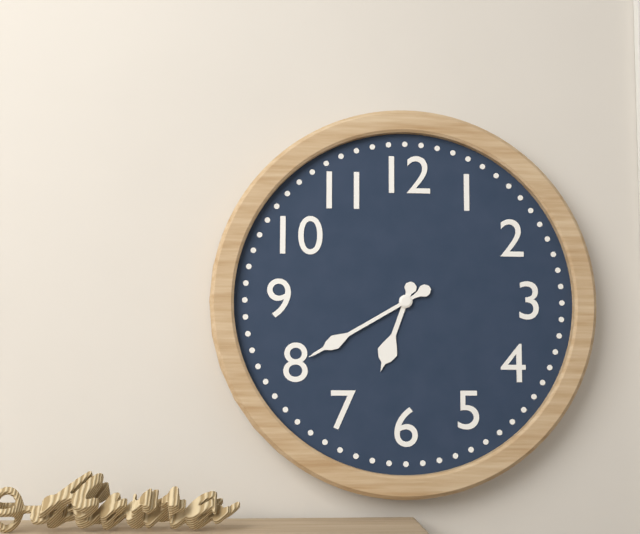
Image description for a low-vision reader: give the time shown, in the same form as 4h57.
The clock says 6h40
